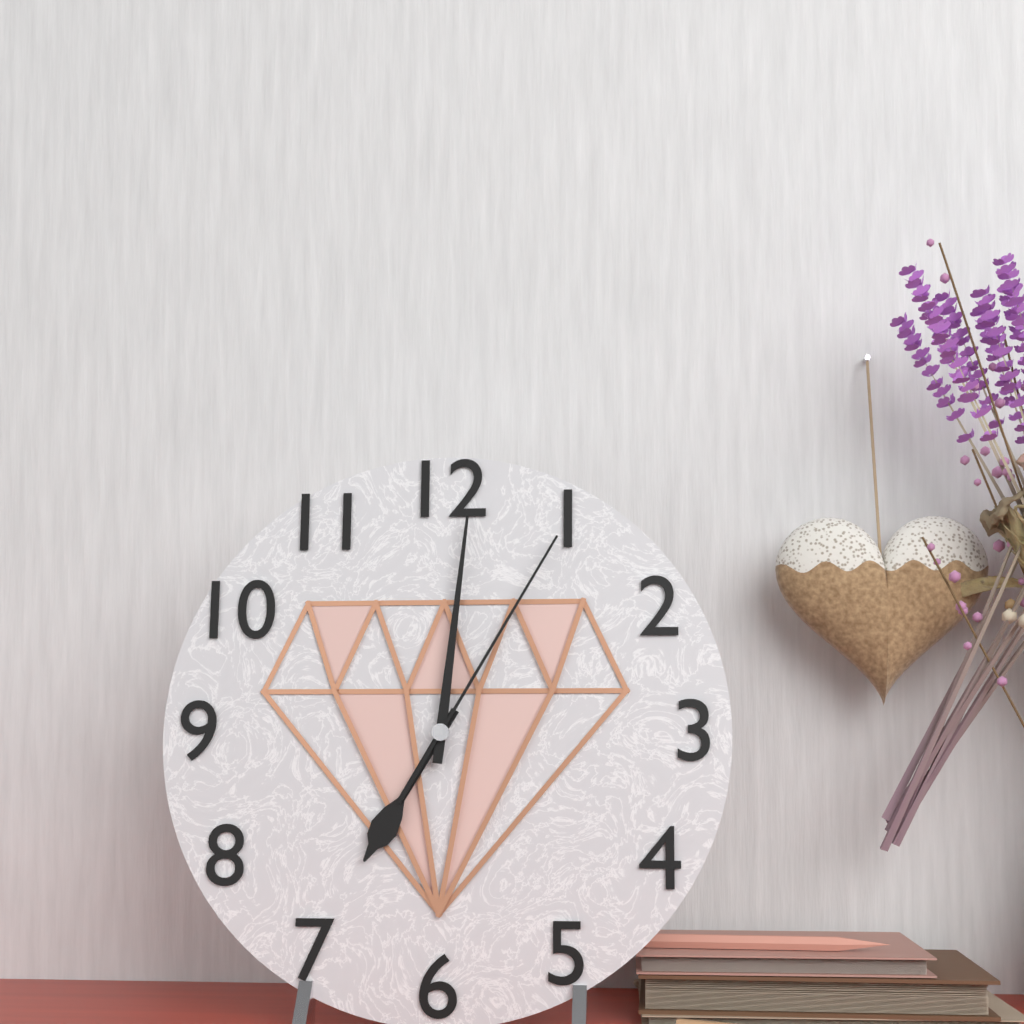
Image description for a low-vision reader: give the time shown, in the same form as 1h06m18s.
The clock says 7h01m05s
